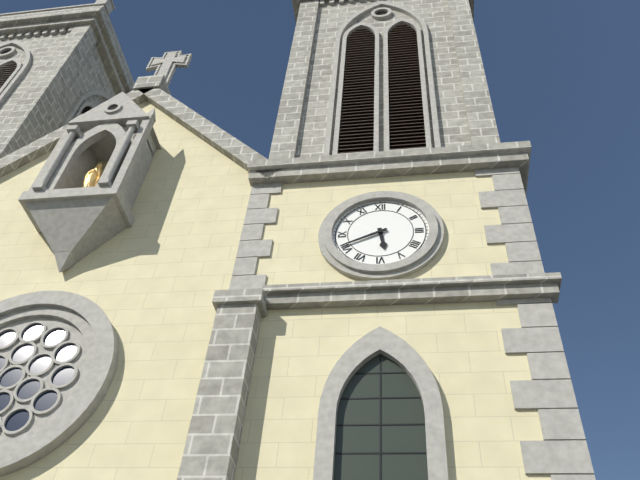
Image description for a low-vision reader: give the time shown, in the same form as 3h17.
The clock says 5h41
